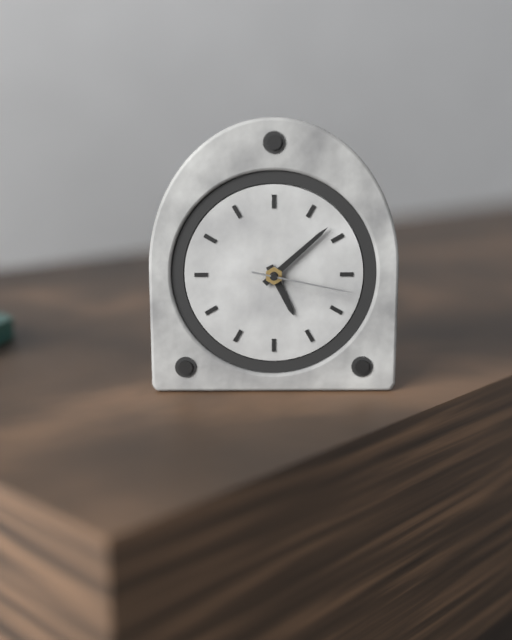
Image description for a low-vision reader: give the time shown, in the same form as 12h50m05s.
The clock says 5h08m17s
